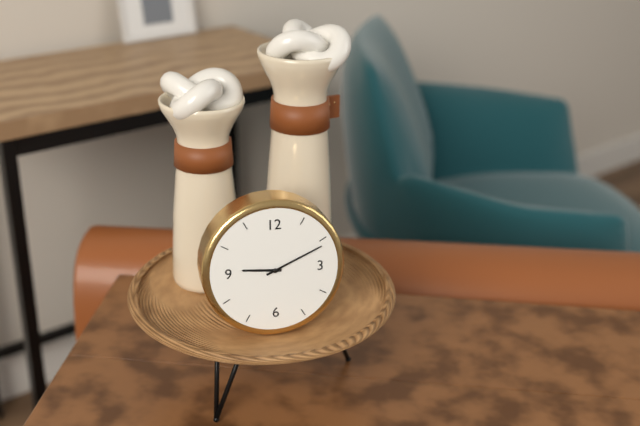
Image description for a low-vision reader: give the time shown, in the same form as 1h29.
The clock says 9h11
